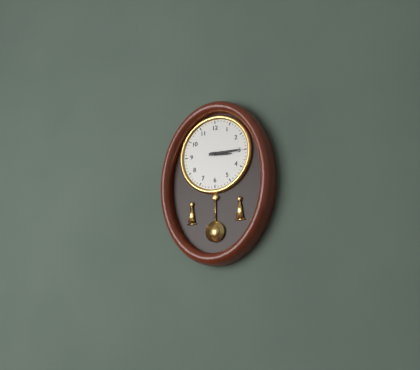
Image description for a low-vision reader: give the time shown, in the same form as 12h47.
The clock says 3h15
